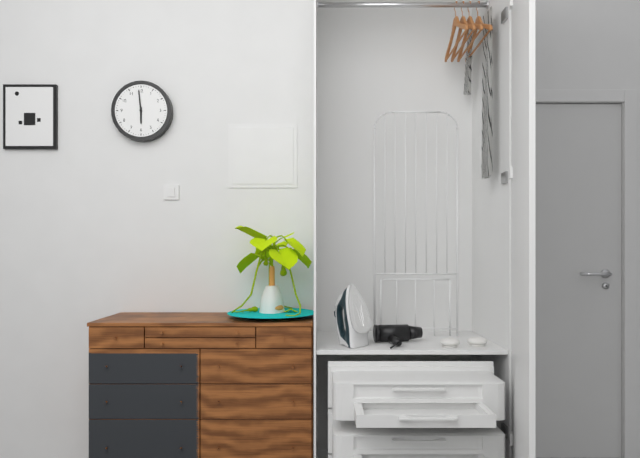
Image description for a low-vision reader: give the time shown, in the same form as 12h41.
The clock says 5h59
